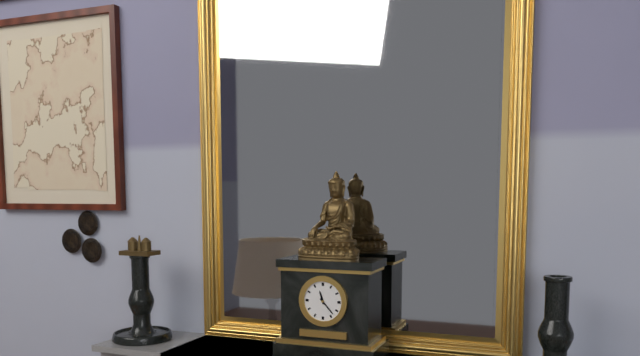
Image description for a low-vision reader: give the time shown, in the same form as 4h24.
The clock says 11h23
